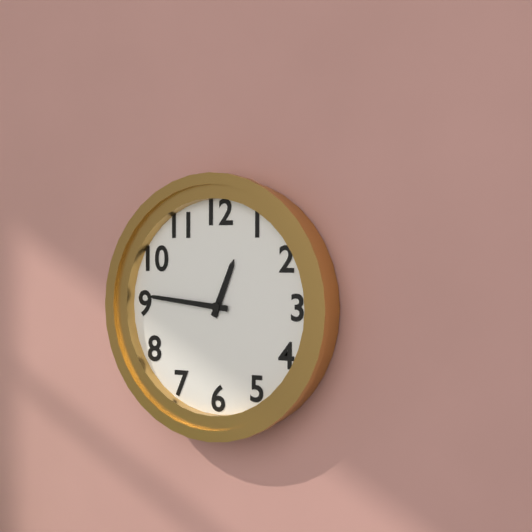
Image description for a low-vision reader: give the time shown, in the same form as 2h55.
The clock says 12h46
